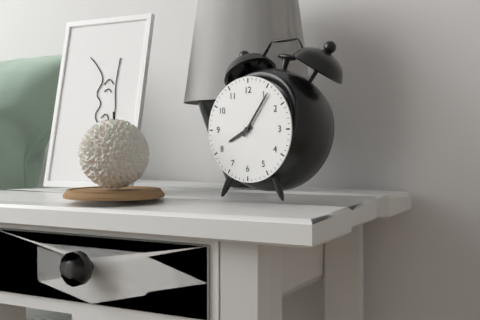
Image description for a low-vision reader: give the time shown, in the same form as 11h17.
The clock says 8h06
